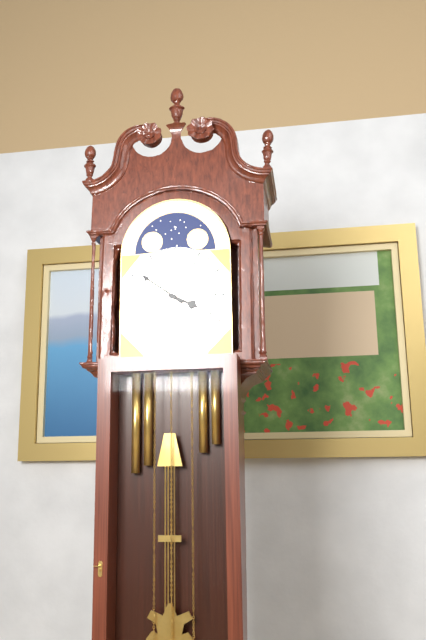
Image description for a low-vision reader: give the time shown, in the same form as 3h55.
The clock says 3h51
